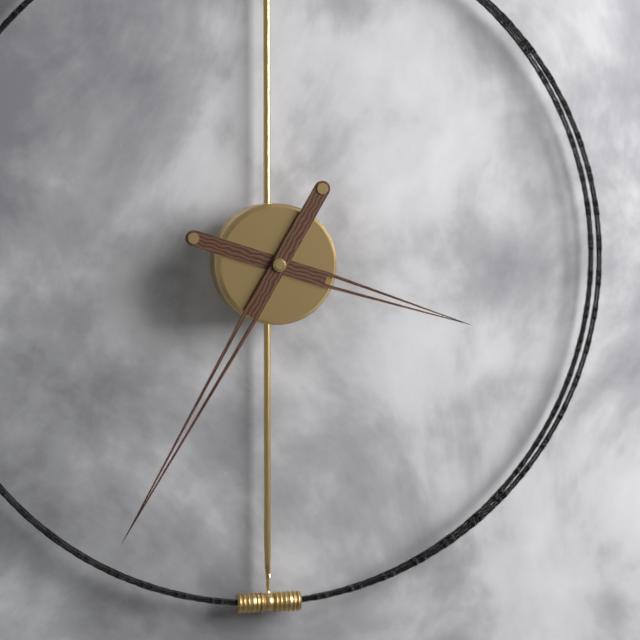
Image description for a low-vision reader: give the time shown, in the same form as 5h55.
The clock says 3h35
